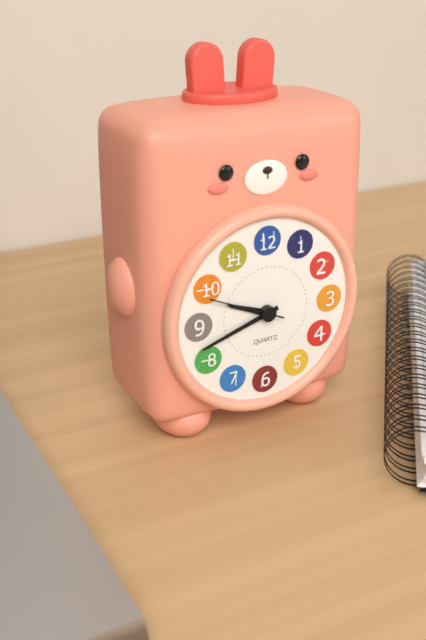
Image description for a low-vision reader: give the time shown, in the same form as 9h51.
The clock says 9h42
